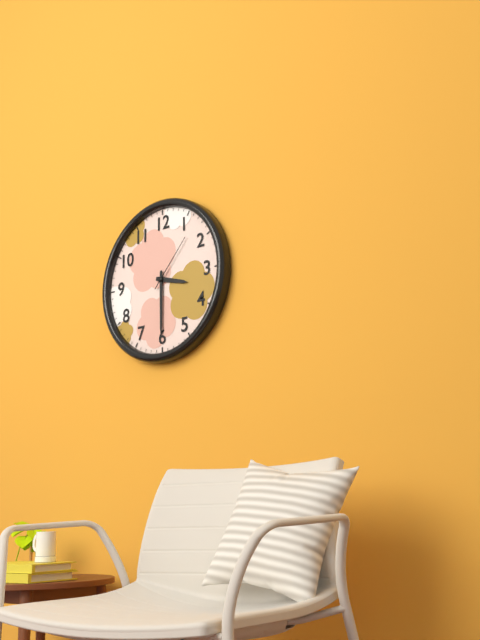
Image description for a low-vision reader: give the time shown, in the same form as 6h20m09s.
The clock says 3h30m07s
